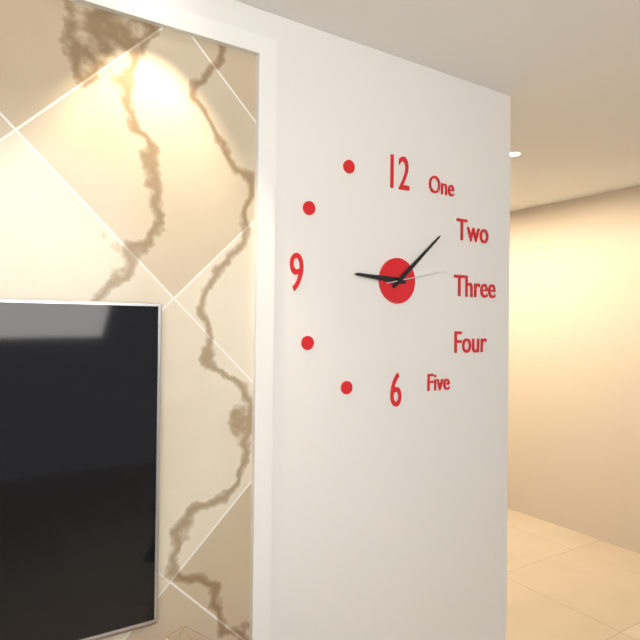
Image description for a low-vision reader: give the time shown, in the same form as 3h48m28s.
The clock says 9h08m13s
